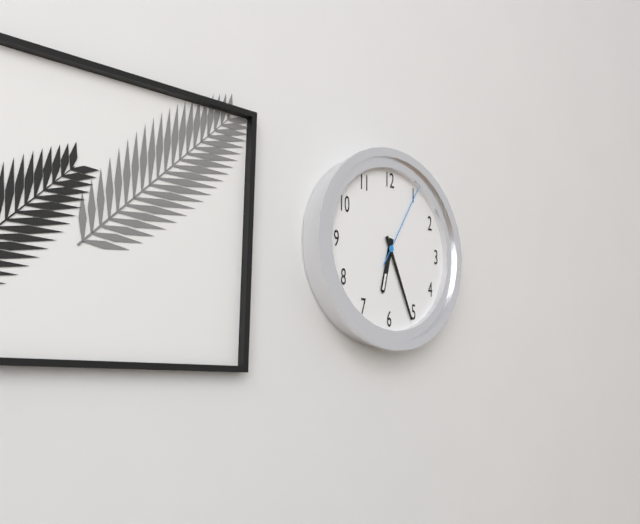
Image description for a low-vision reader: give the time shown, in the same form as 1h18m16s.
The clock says 6h26m05s
